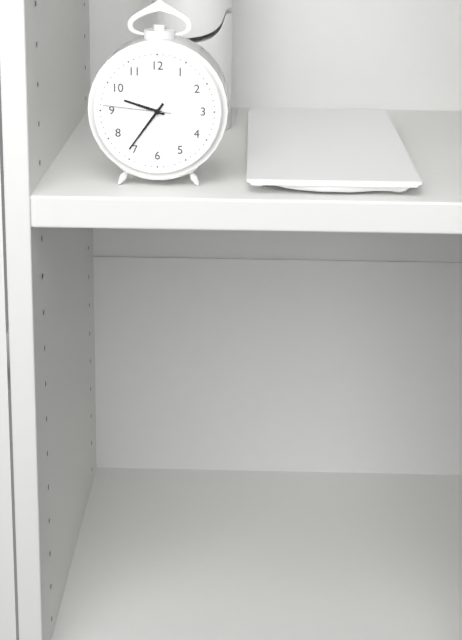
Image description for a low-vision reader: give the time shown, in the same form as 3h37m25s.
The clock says 9h36m46s
